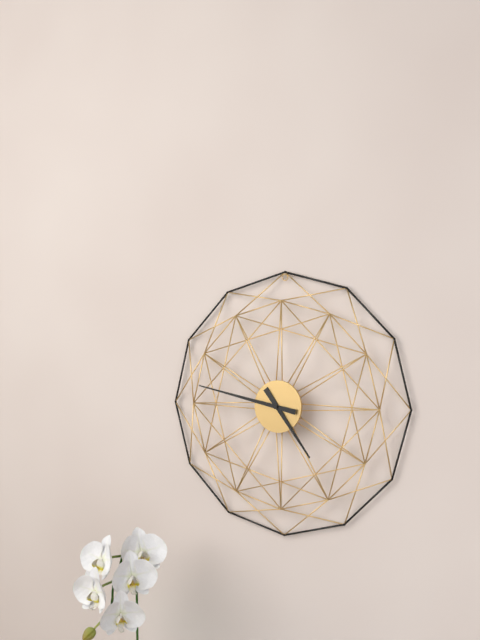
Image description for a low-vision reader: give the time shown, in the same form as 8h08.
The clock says 4h47
